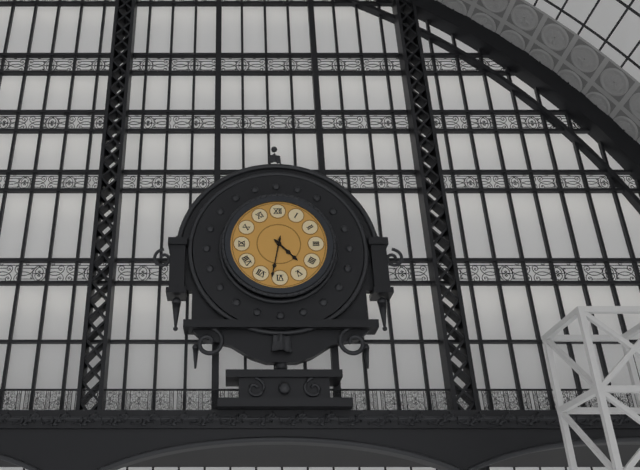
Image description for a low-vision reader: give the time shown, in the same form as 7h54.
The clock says 4h32
